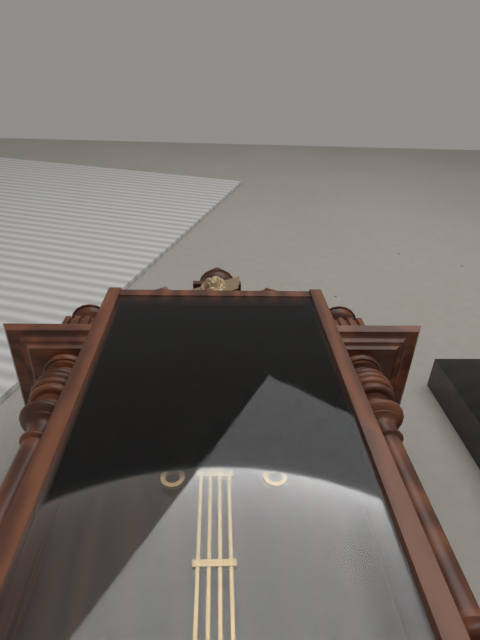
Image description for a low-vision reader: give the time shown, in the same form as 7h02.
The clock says 12h28
